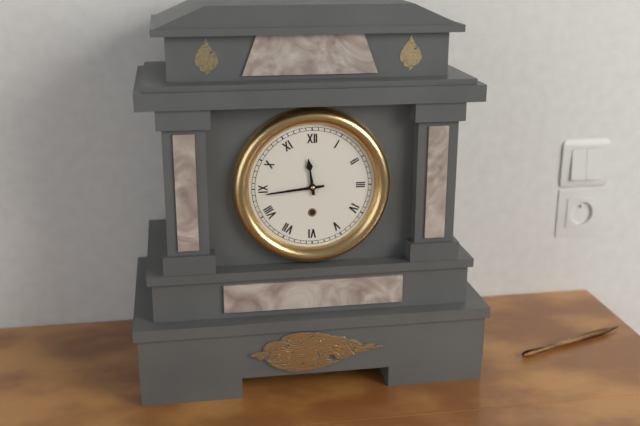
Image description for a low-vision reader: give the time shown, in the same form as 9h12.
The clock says 11h44
